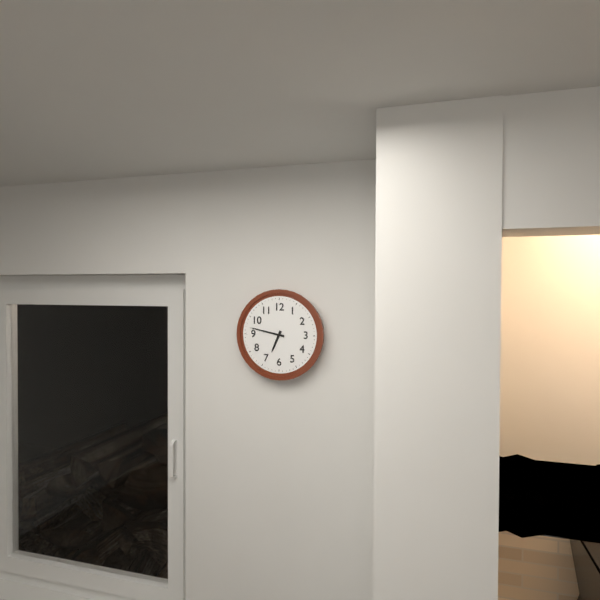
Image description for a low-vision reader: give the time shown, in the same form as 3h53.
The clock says 6h47
